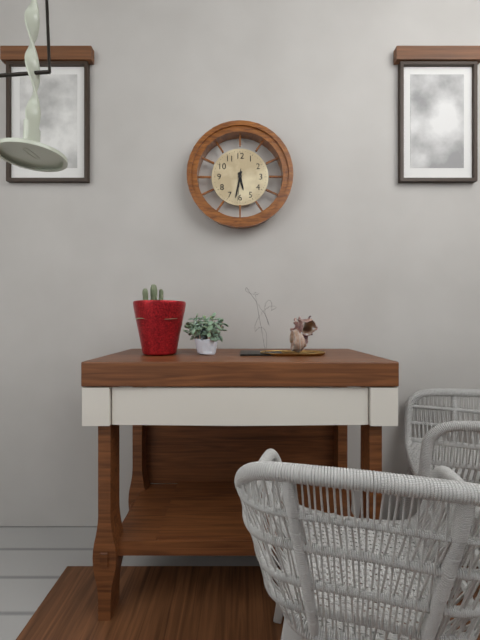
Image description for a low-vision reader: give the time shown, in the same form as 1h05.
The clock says 5h32
